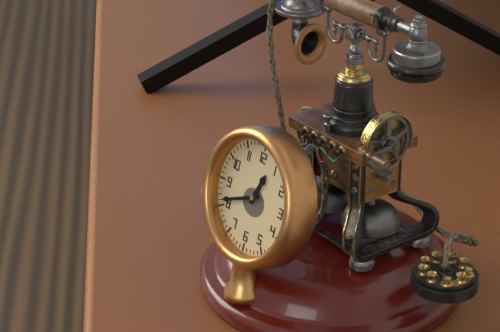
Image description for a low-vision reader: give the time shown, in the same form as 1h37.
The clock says 12h41
